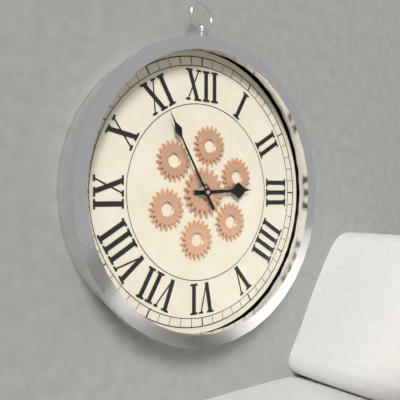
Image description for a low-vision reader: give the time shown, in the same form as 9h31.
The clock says 2h55
